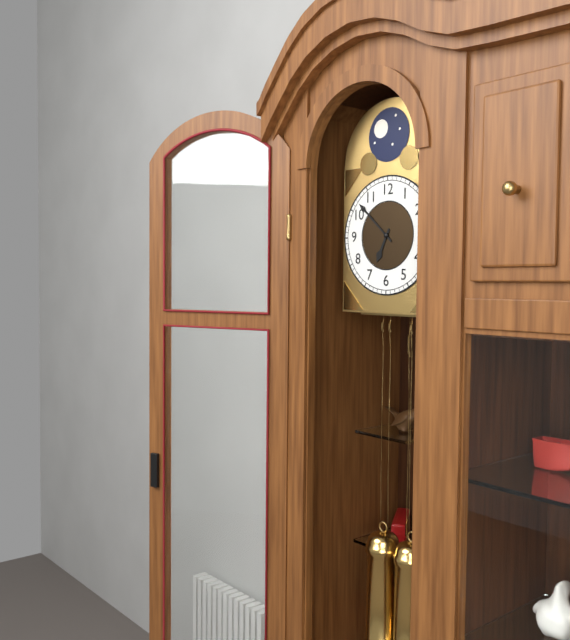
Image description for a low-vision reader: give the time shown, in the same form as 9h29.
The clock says 6h52
